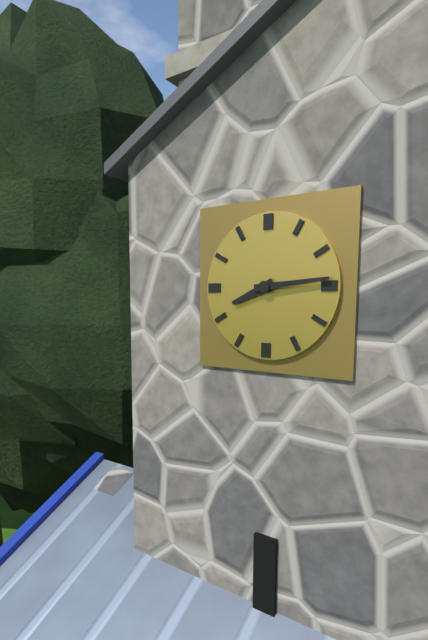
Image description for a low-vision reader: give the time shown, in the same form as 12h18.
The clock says 8h14
